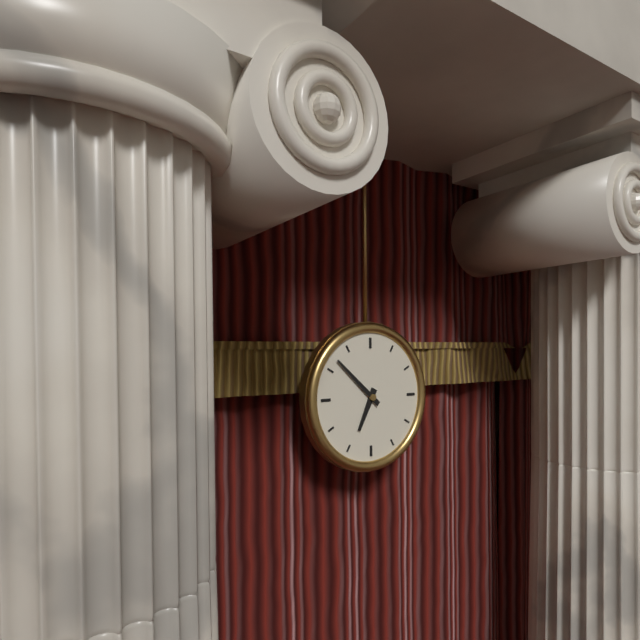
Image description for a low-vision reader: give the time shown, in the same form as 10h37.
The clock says 6h52
